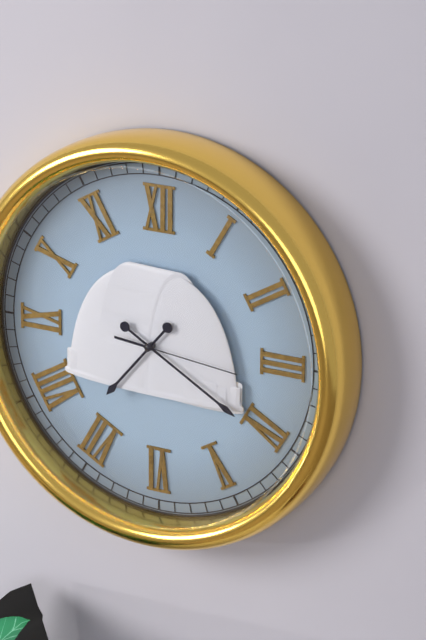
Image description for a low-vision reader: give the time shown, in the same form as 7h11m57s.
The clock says 7h20m16s
